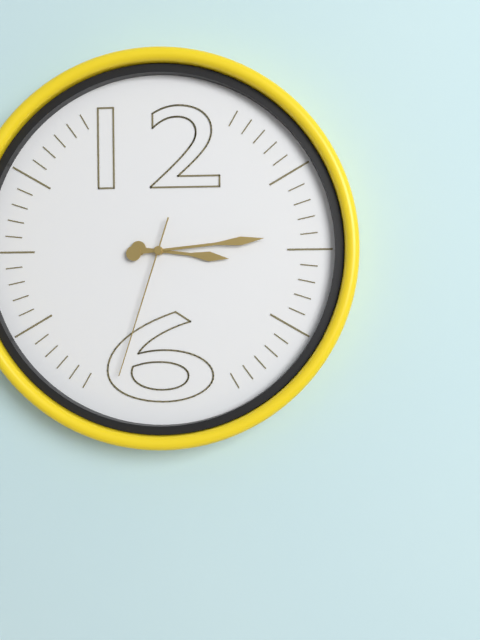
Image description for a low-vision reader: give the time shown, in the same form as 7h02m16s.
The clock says 3h14m33s
